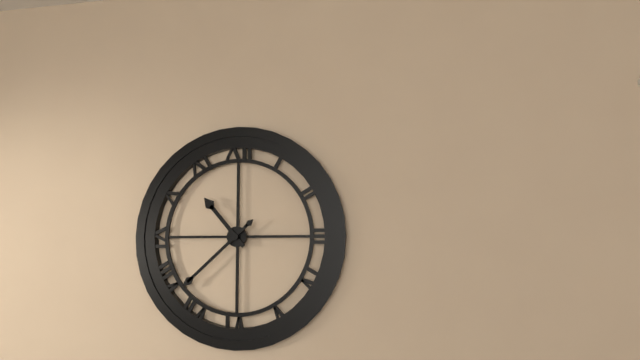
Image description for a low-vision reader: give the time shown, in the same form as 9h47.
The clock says 10h38
